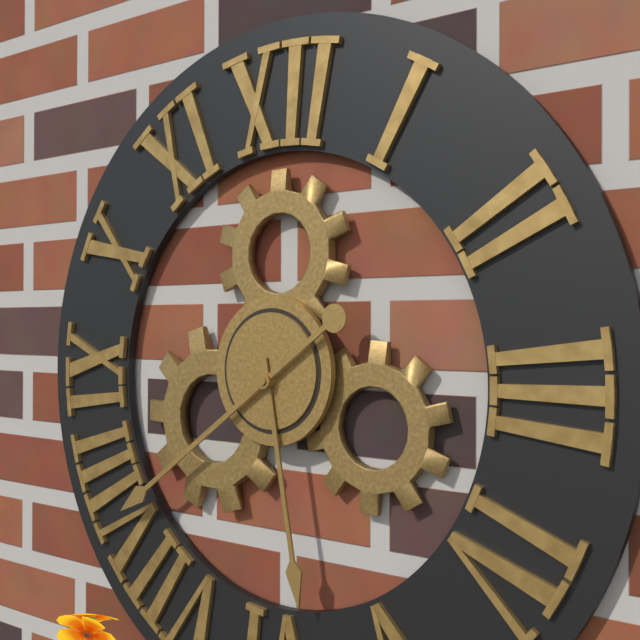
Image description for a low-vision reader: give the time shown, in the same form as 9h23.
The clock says 5h39
